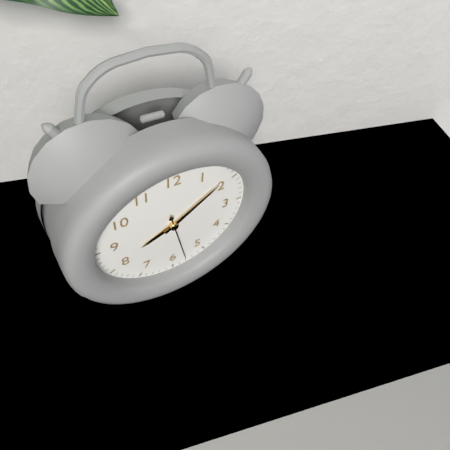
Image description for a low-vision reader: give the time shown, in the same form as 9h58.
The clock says 8h09
